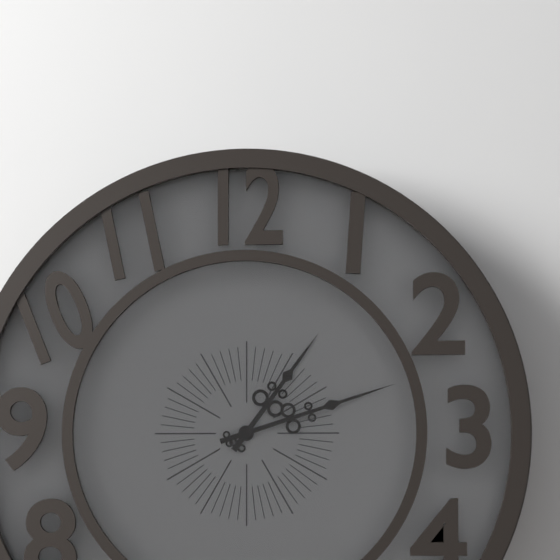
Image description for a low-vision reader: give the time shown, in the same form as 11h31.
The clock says 1h12
